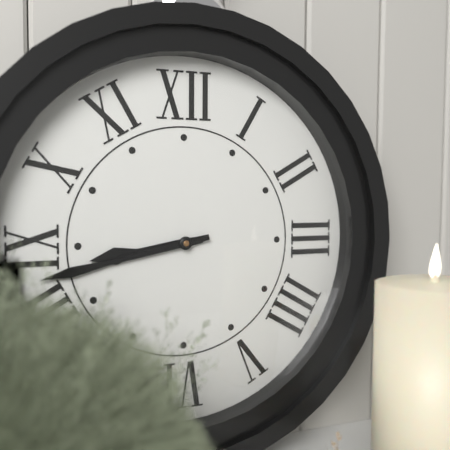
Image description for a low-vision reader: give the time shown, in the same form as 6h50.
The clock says 8h43
